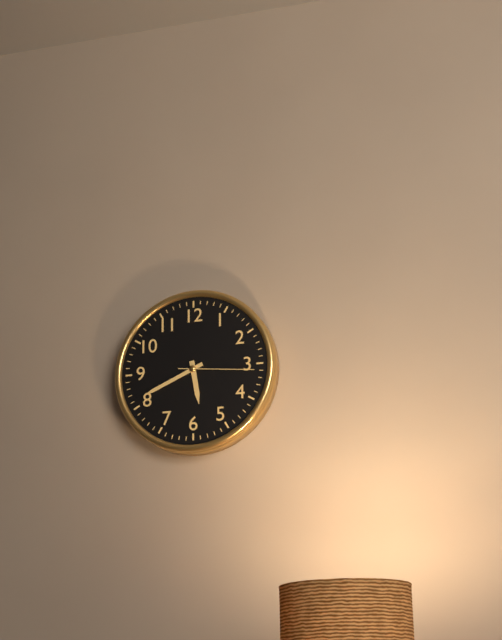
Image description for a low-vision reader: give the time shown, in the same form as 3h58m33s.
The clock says 5h41m16s
